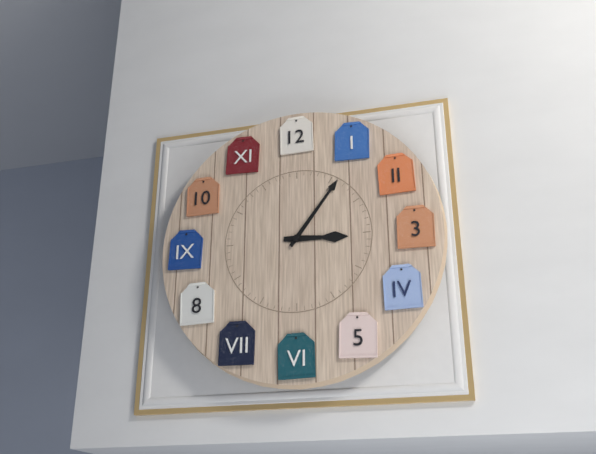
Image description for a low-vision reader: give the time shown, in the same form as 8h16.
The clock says 3h06
